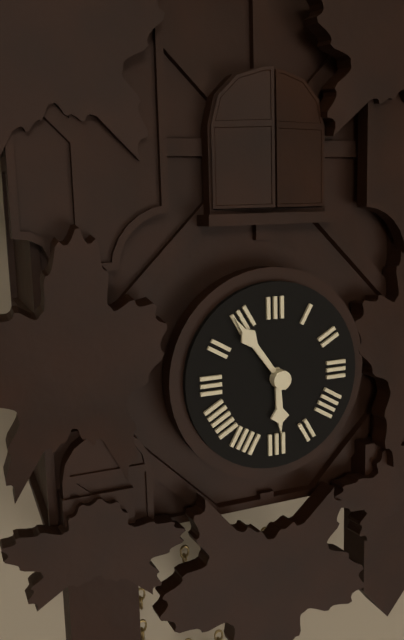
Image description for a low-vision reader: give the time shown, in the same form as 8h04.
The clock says 5h54
